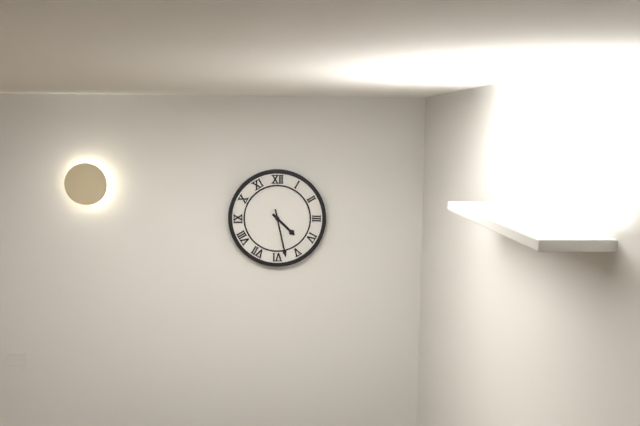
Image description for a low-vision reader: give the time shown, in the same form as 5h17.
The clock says 4h28
